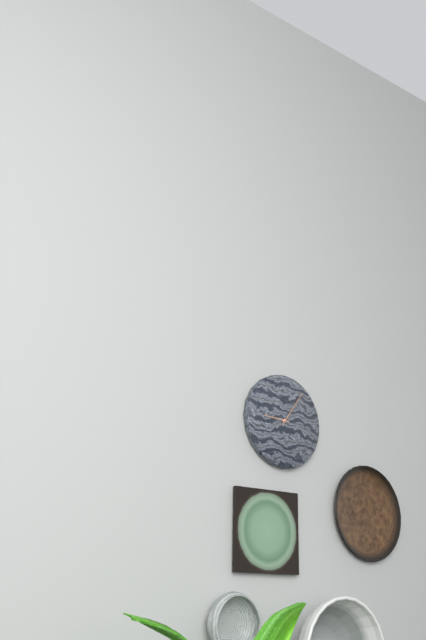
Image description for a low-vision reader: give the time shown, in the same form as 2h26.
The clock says 9h06
